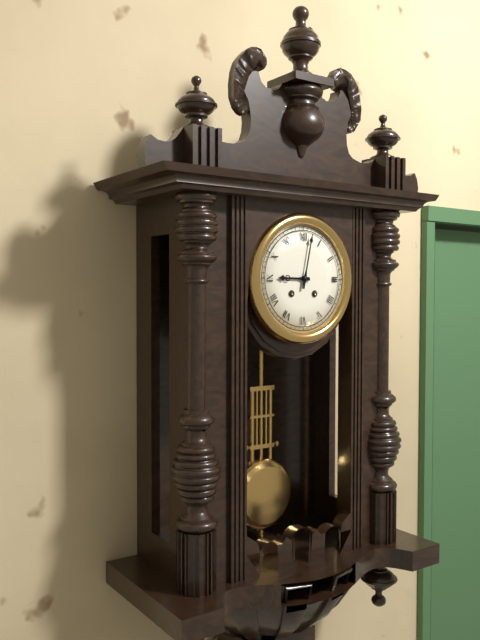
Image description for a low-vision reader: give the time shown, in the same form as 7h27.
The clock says 9h02
